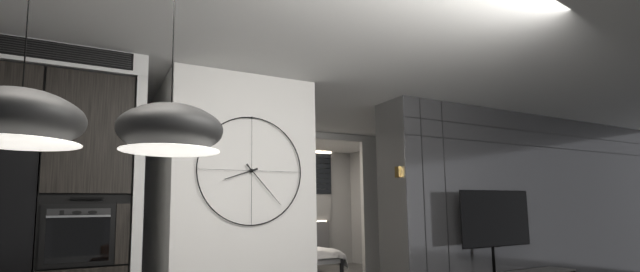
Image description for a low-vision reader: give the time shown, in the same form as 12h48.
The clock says 8h23
